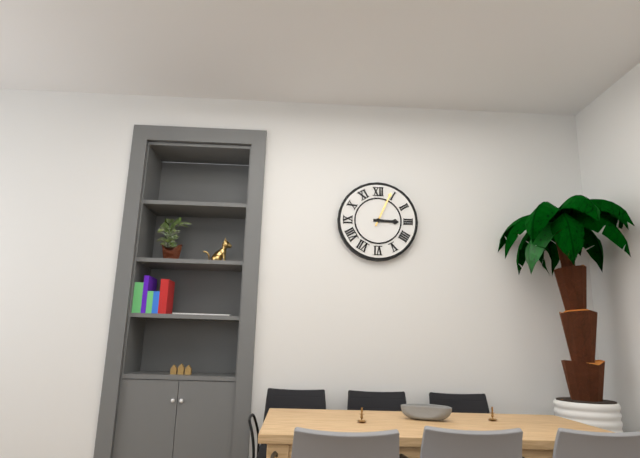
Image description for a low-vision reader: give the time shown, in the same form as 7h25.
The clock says 3h04
